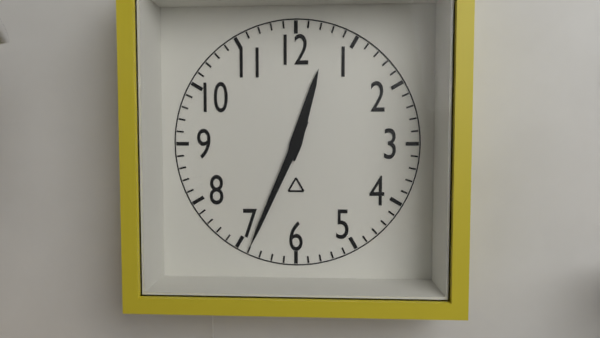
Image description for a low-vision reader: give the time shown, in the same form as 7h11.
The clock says 12h34
